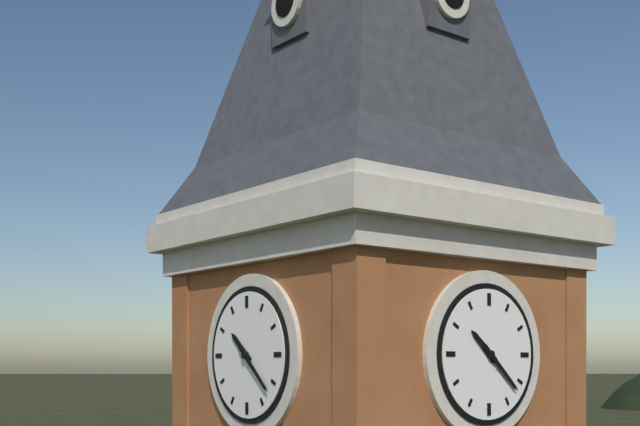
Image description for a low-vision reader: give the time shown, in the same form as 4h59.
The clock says 10h22
